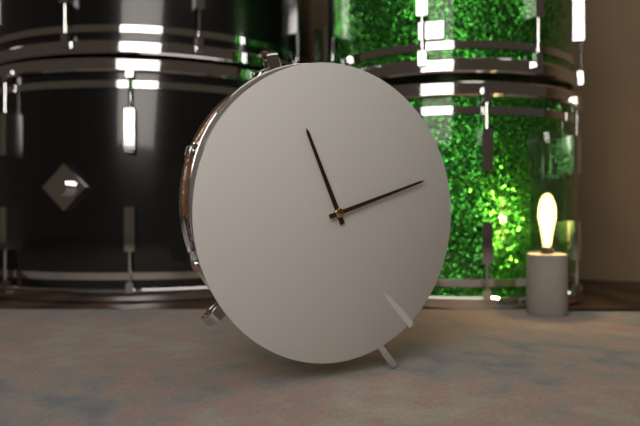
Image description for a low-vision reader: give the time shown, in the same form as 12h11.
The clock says 11h12
